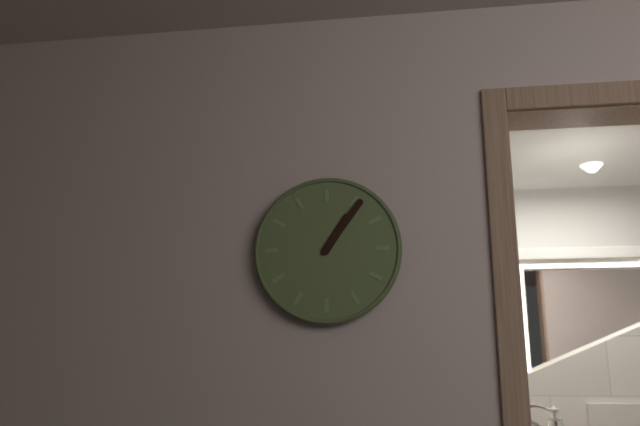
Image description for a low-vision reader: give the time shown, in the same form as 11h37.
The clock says 1h06
